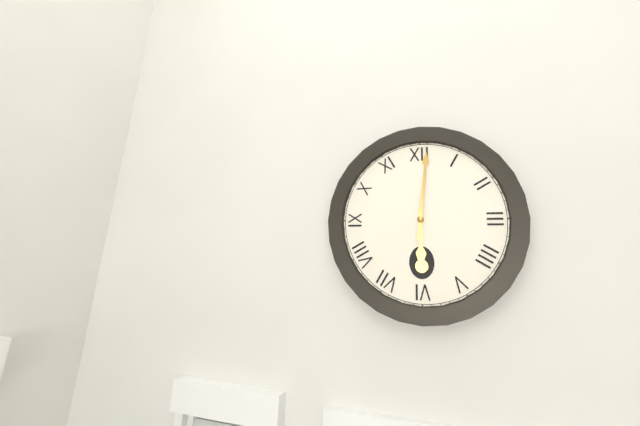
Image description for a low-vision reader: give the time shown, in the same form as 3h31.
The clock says 6h01
